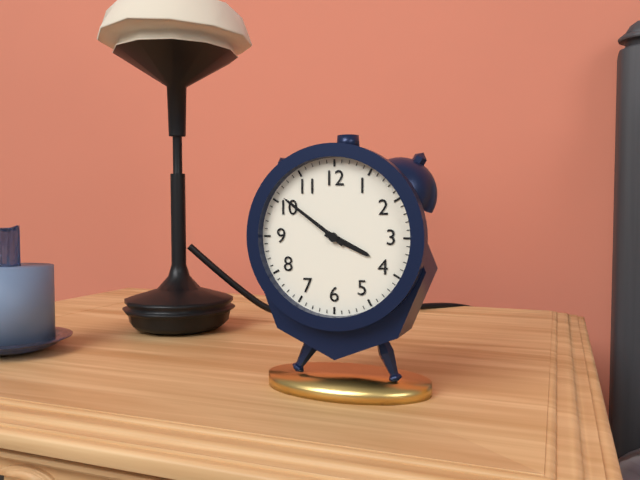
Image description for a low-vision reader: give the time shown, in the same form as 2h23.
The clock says 3h51
